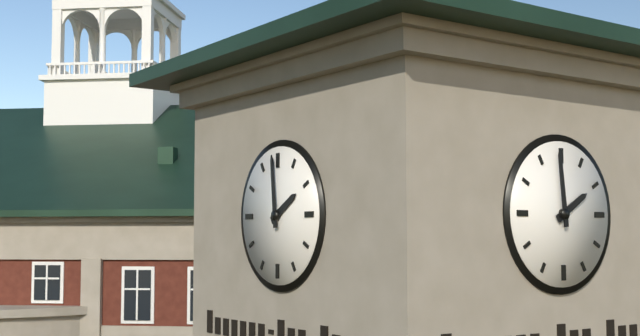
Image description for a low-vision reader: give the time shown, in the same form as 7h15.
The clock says 1h59
